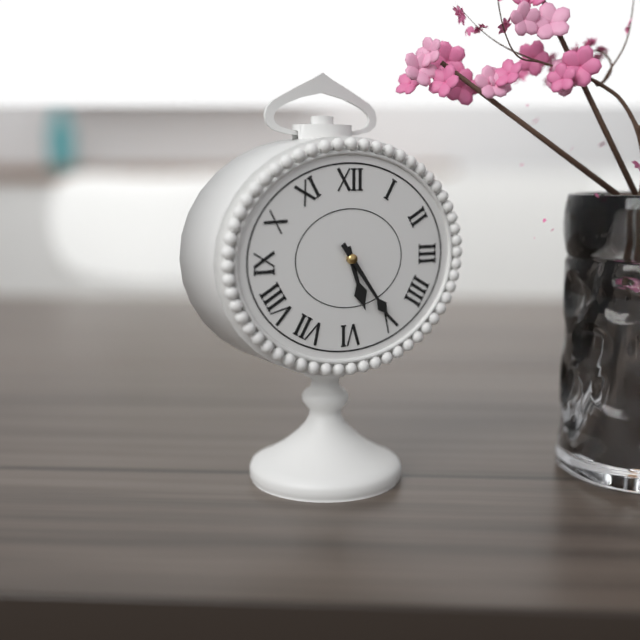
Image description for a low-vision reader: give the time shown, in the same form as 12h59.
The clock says 5h24
